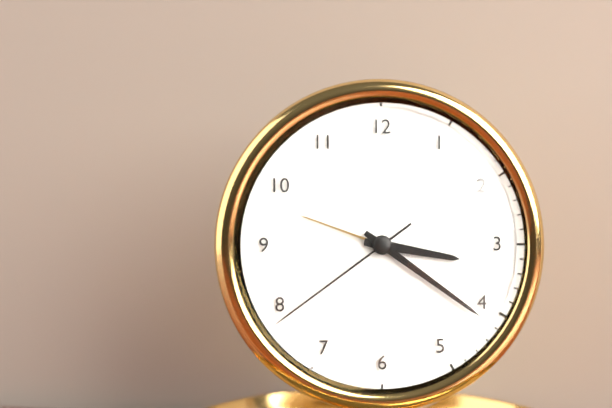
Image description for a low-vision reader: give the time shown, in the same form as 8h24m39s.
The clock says 3h21m39s
